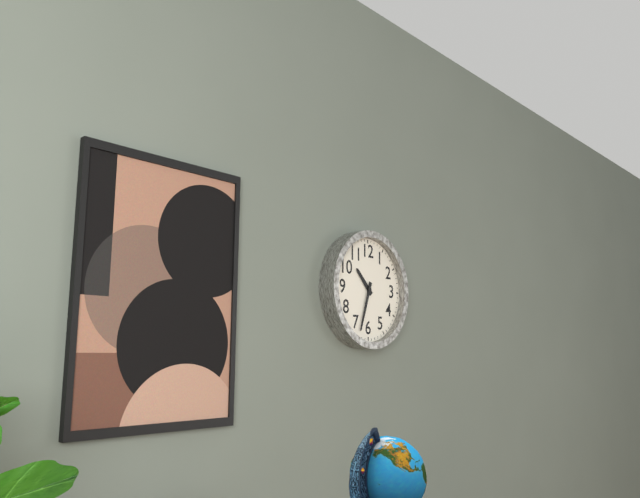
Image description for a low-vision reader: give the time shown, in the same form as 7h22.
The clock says 10h33
